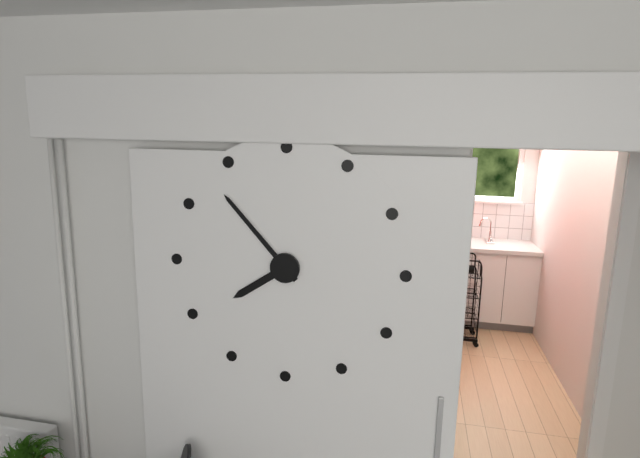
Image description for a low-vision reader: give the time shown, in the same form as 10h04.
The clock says 7h53
